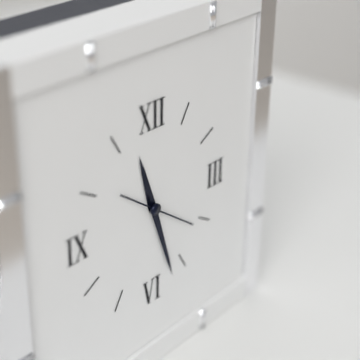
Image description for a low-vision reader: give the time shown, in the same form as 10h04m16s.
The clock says 11h27m21s
